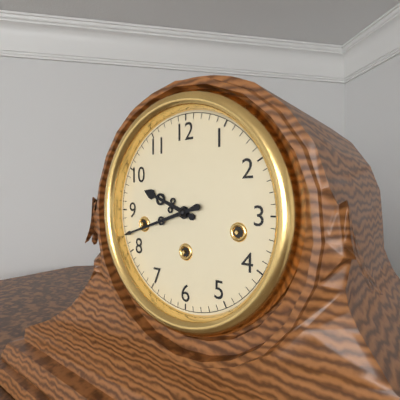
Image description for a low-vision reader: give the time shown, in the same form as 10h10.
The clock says 9h42
